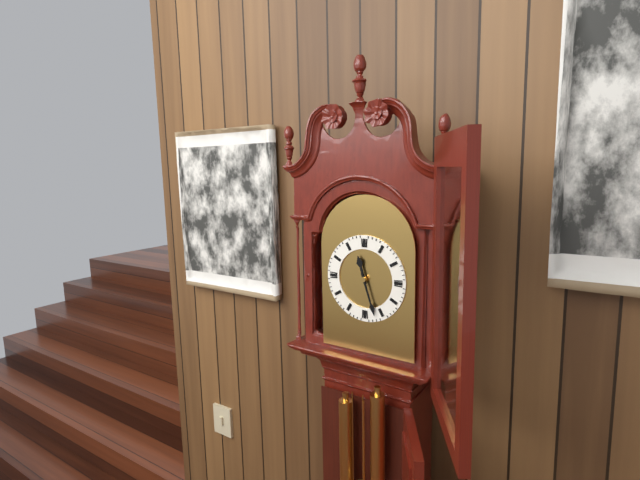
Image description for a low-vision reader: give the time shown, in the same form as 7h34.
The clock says 11h27
